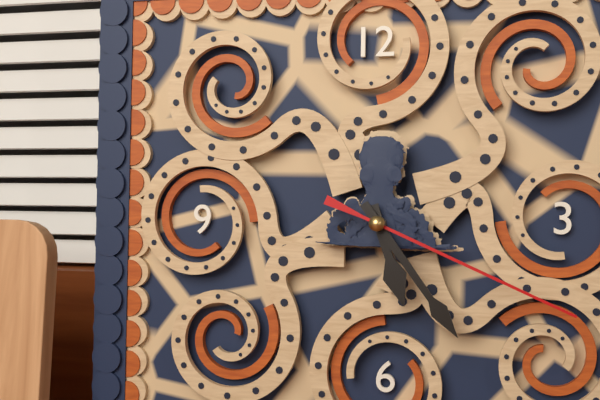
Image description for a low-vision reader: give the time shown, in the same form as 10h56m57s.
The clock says 5h24m19s
